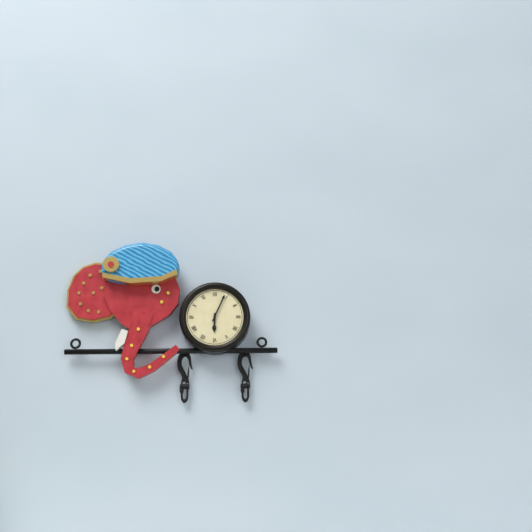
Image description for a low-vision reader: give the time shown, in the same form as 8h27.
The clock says 6h04
